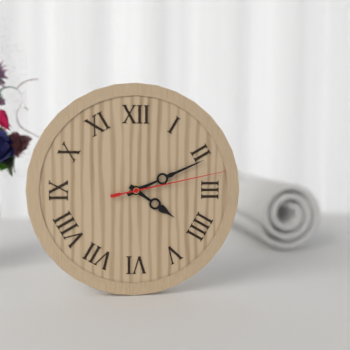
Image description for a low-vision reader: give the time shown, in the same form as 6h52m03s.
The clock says 4h11m13s
